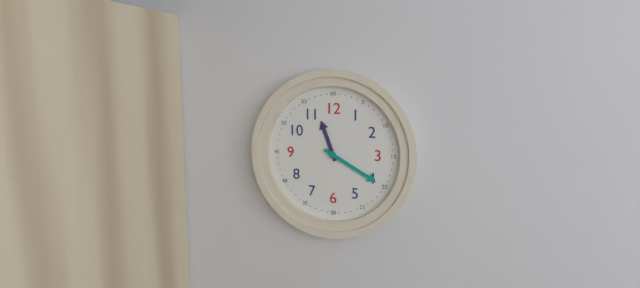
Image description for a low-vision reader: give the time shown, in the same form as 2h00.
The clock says 11h20
